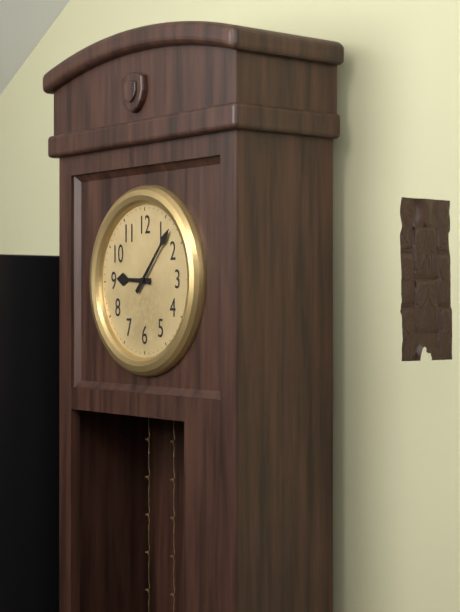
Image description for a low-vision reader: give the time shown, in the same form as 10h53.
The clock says 9h07
